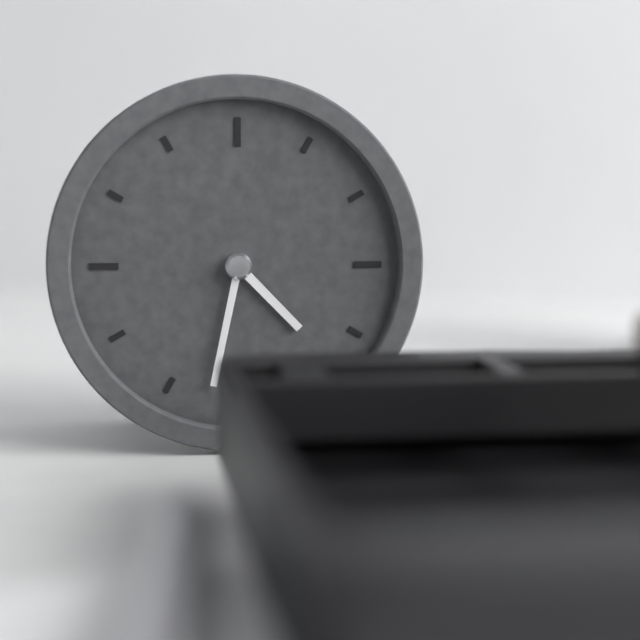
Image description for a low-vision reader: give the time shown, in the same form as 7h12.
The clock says 4h32
